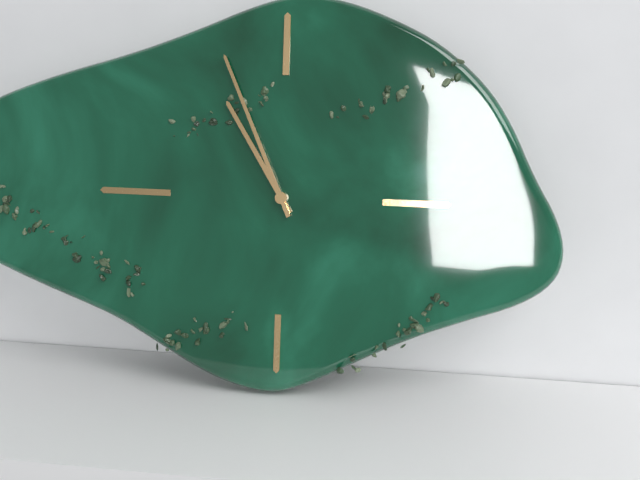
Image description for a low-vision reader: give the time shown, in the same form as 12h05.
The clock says 10h56
